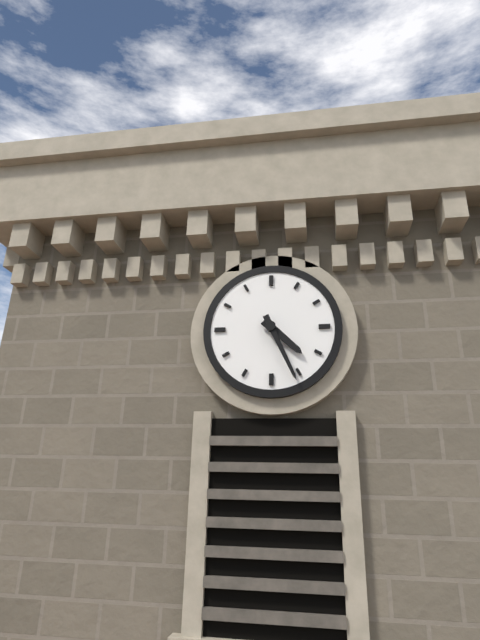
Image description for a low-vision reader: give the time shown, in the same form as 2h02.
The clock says 4h26
